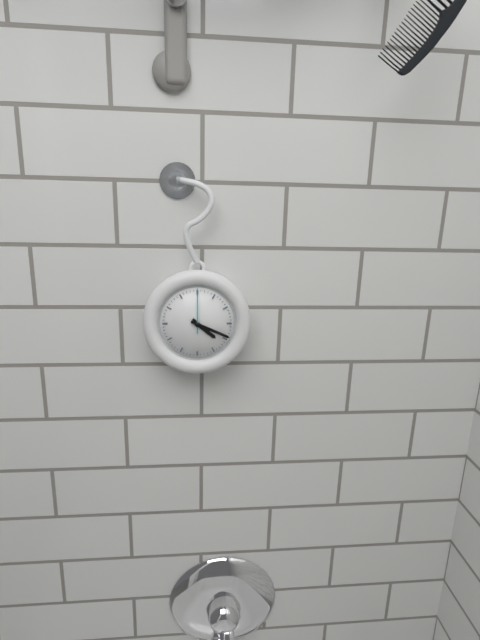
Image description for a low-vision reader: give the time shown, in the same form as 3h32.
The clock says 4h19
